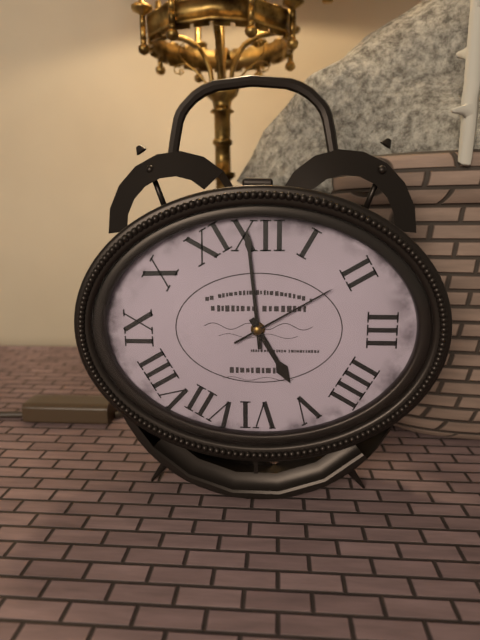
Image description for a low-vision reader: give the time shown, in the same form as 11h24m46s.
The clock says 4h59m10s
